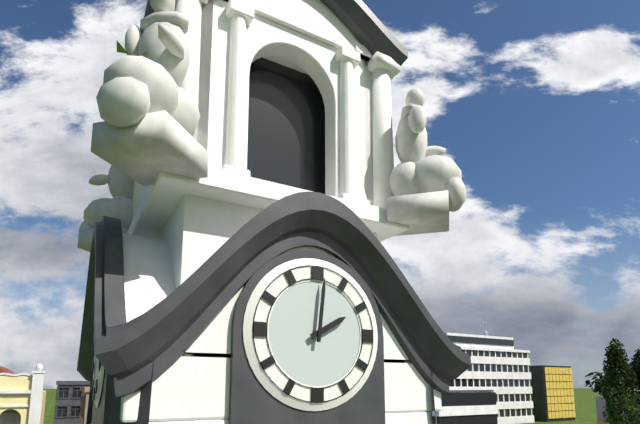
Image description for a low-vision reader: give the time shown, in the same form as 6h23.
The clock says 2h01
